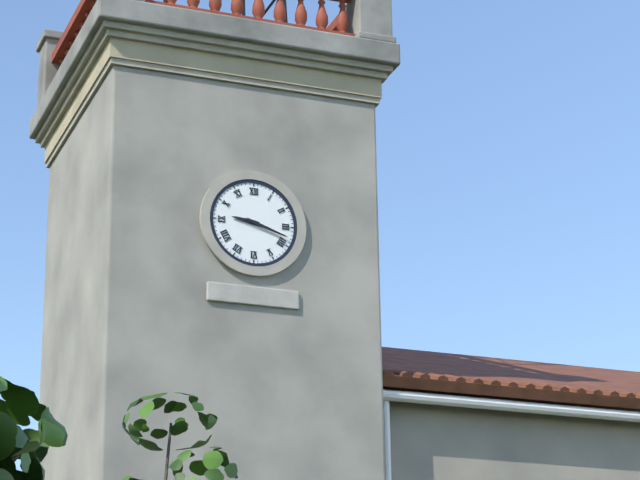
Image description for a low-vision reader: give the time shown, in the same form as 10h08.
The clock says 9h18
